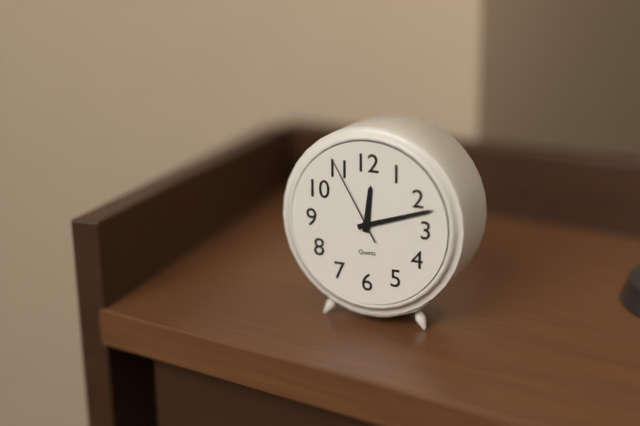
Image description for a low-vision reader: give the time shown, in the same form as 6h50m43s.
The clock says 12h12m55s
